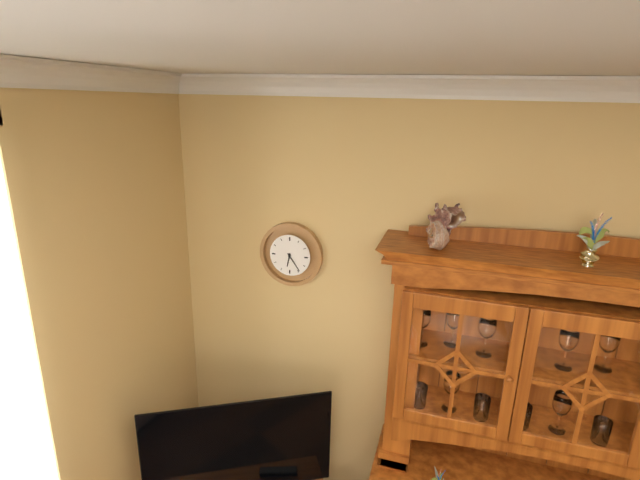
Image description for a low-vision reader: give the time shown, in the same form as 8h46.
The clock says 6h24
